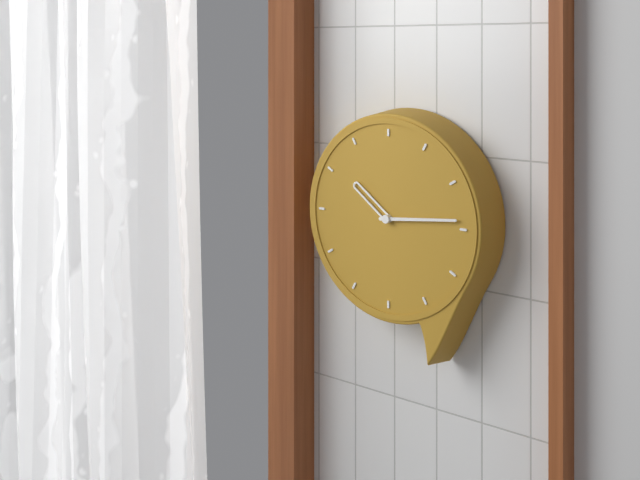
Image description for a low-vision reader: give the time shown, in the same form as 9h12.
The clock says 10h14
